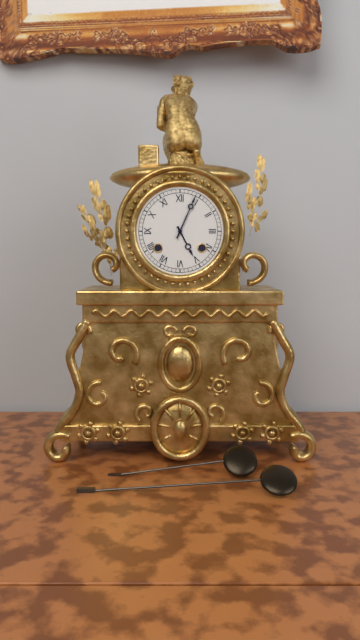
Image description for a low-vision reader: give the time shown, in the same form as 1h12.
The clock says 5h04
